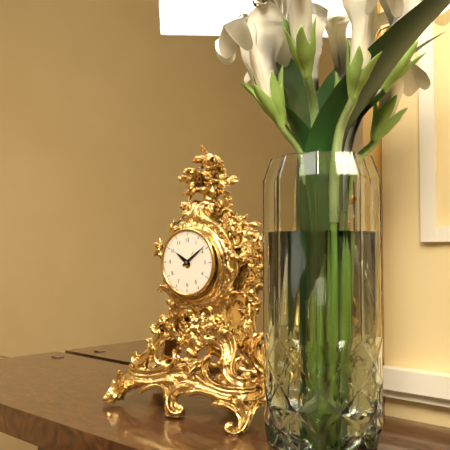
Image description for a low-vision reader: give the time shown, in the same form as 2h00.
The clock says 10h09
